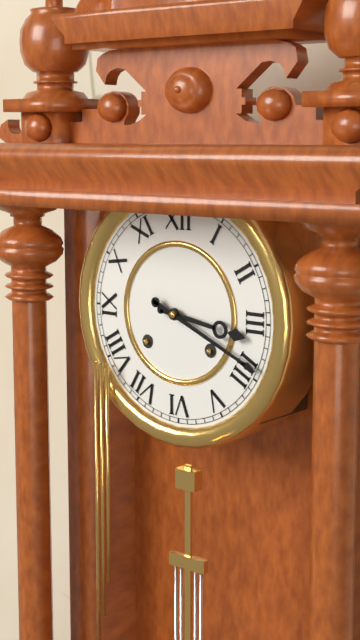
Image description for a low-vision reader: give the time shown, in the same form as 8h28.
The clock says 3h19
